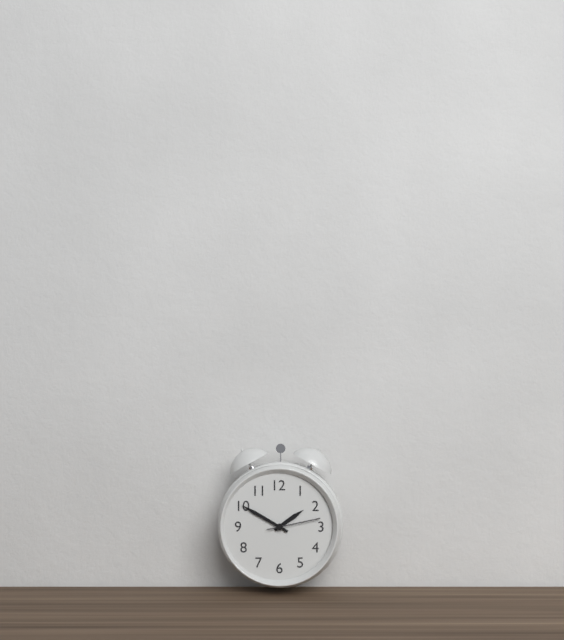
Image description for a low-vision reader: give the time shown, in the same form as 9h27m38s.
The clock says 1h50m13s
